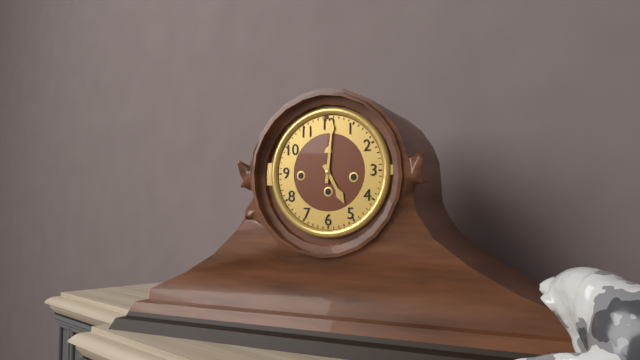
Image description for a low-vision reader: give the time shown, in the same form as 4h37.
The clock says 5h01
